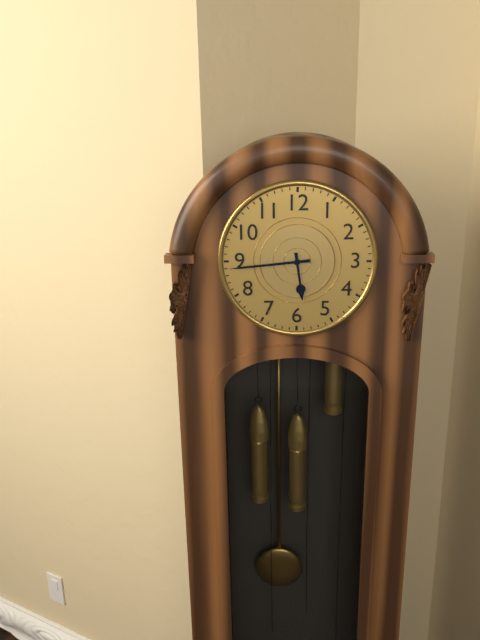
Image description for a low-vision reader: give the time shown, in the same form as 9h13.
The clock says 5h44
